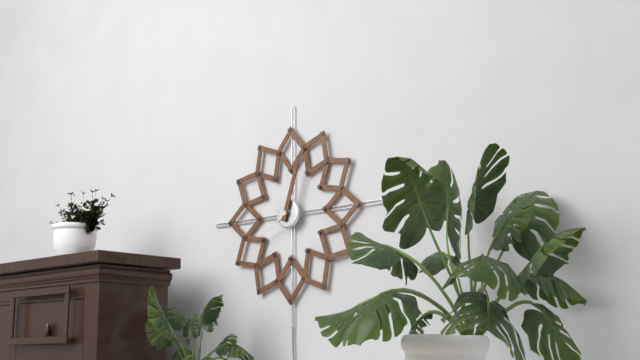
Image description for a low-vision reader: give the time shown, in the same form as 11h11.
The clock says 8h03
